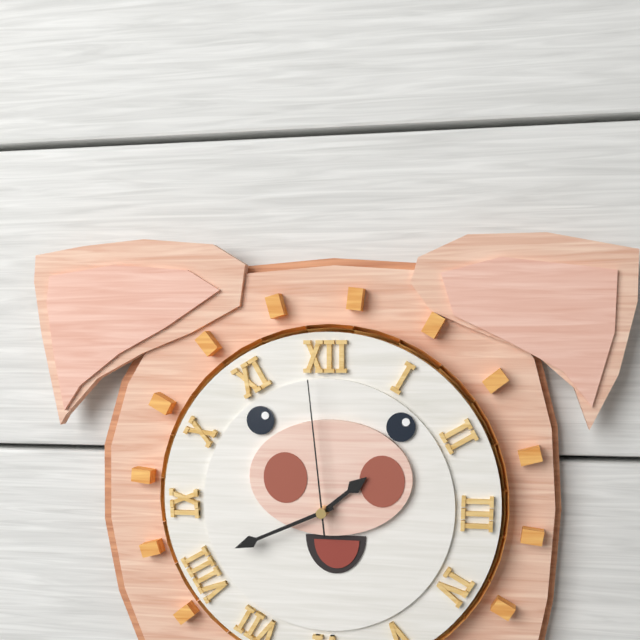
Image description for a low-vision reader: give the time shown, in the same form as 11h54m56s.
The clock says 1h41m59s
